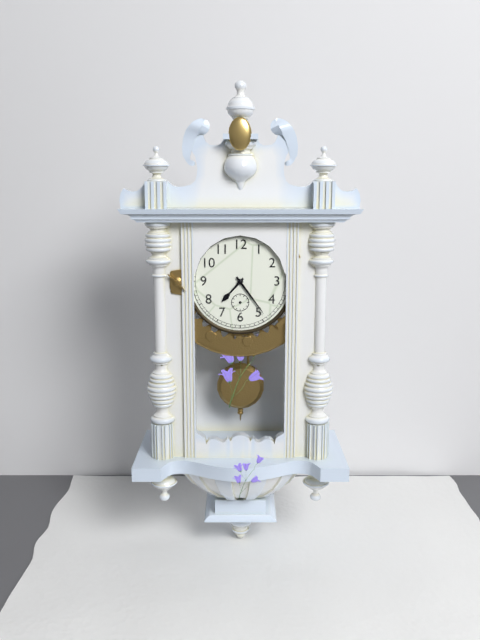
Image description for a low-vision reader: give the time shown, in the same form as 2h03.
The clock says 7h24
